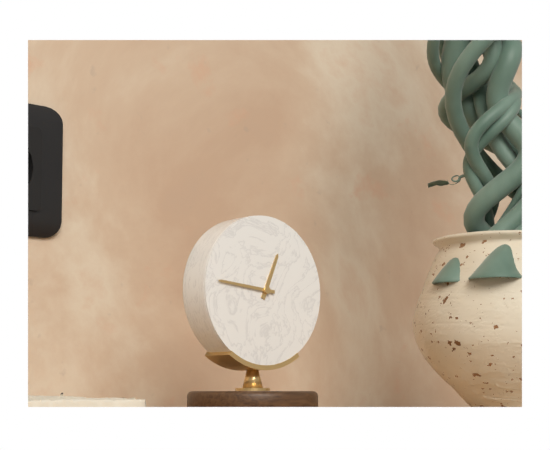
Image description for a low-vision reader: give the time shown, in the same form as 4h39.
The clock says 12h46
